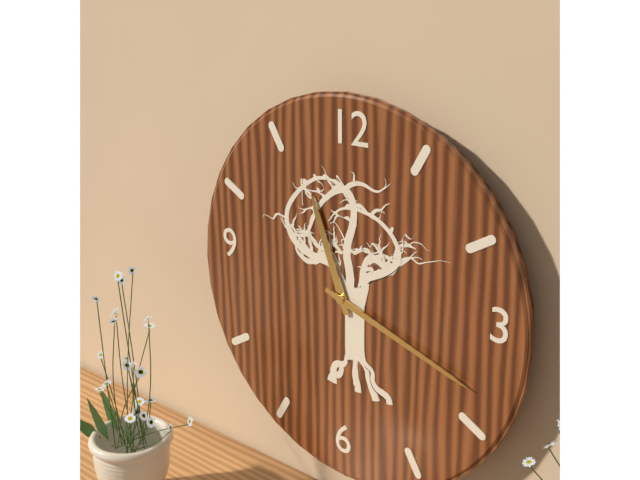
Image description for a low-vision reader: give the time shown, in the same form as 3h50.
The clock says 11h18
